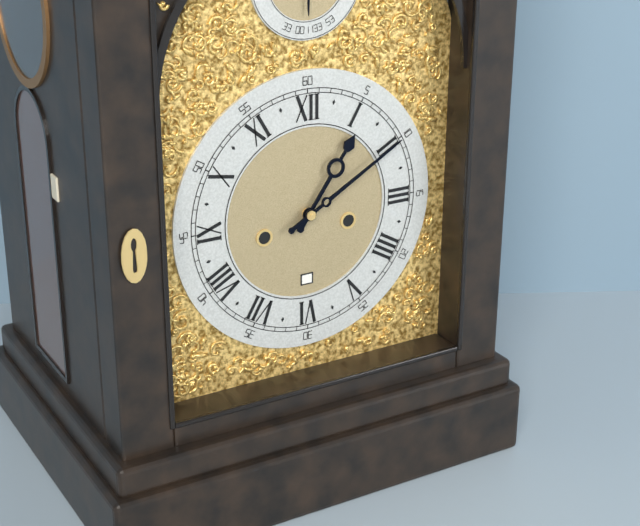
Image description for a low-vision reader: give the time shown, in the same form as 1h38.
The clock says 1h10
